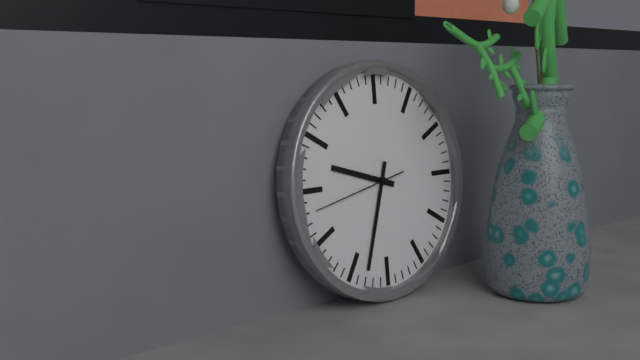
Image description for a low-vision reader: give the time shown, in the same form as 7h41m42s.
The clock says 9h33m43s
